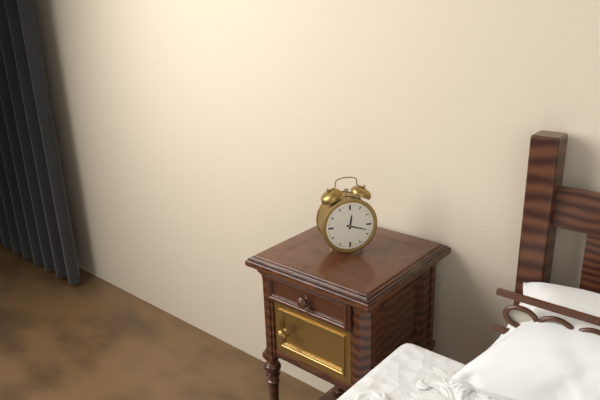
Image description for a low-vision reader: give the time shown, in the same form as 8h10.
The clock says 12h18
